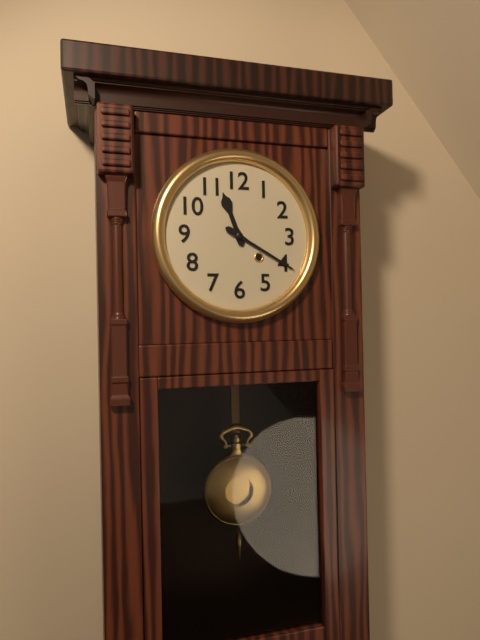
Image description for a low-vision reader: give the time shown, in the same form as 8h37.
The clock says 11h20
